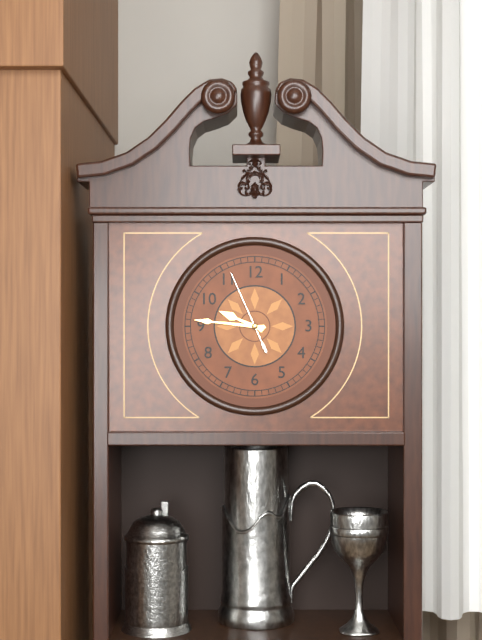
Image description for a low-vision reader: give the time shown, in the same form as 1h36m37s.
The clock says 9h46m56s
